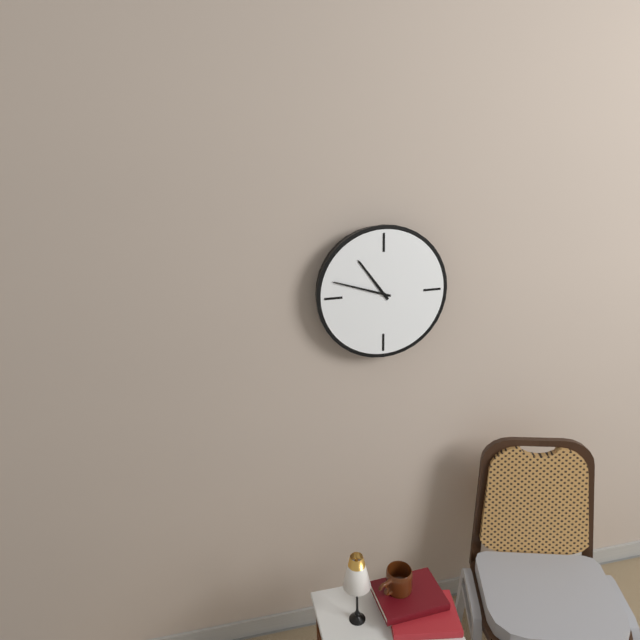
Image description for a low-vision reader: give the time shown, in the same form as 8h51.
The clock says 10h48
